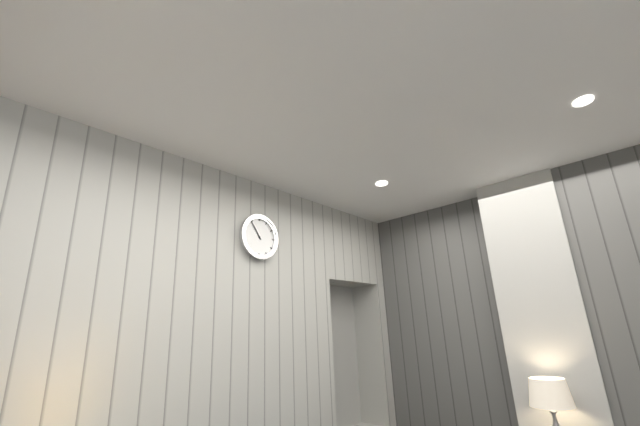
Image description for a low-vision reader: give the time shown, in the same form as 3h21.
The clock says 10h54
